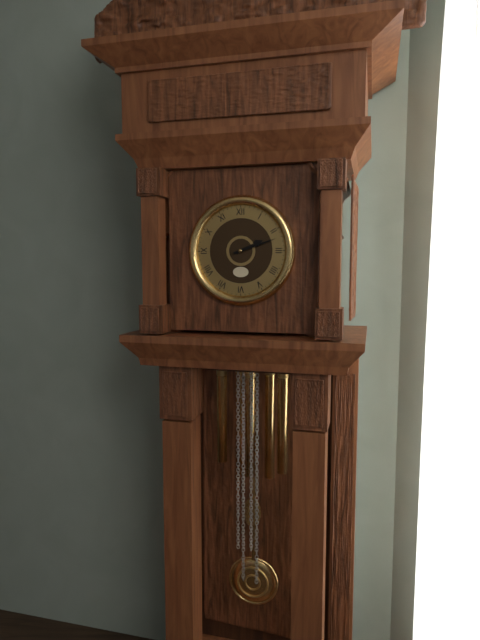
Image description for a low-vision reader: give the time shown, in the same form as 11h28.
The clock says 2h12
